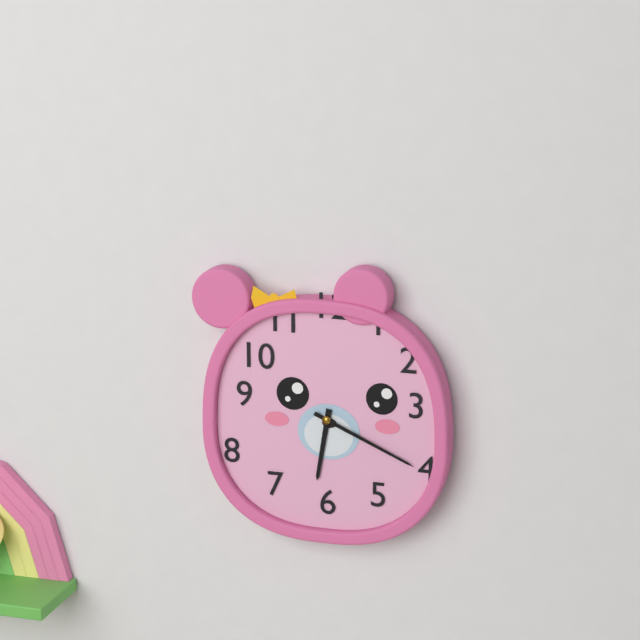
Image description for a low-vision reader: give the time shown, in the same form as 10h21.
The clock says 6h19
